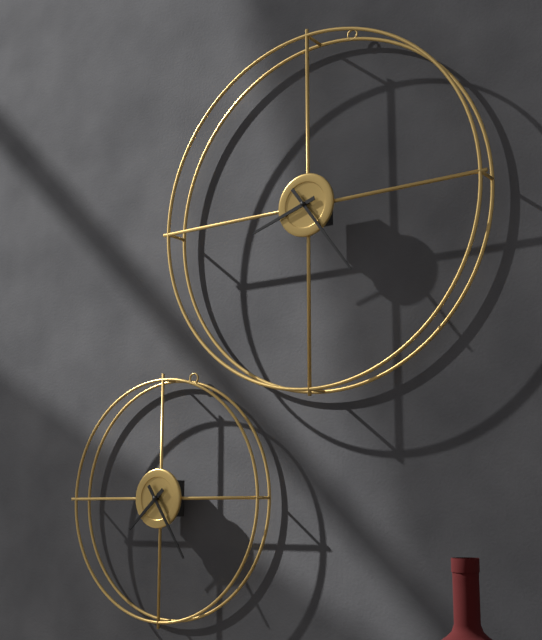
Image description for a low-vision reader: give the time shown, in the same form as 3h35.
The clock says 8h24
